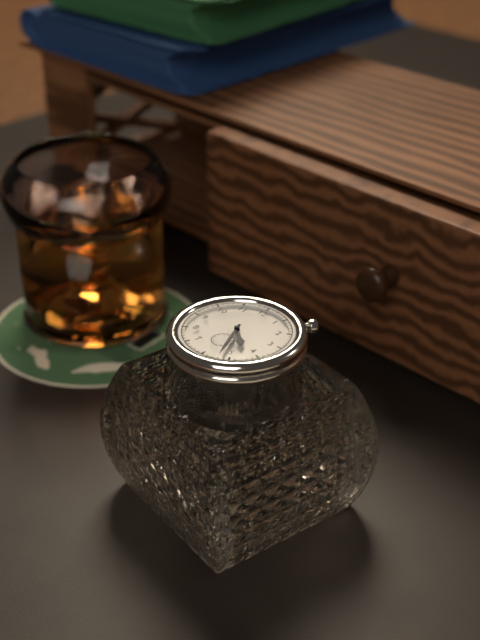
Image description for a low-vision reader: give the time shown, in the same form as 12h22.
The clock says 4h27
